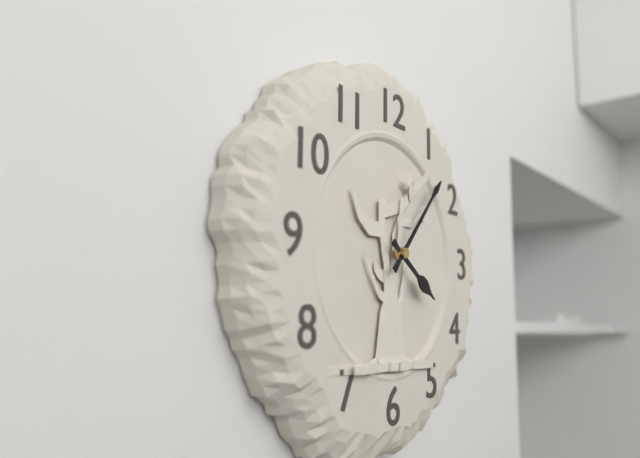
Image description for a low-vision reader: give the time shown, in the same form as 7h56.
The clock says 4h07
